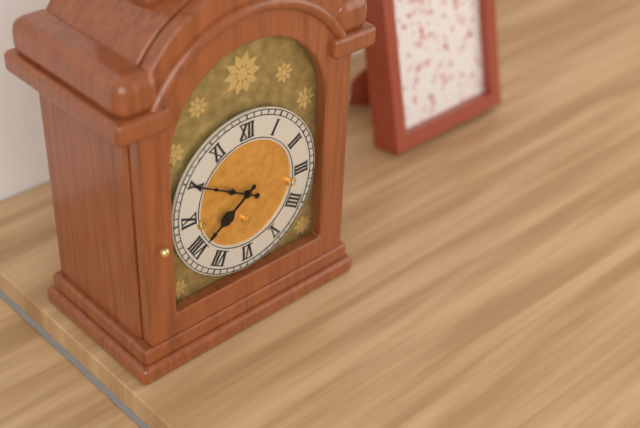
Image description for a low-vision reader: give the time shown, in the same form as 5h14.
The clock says 7h50
